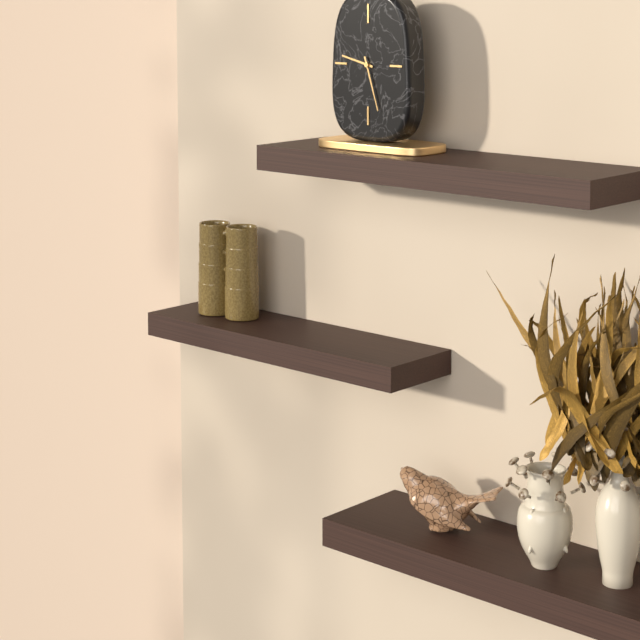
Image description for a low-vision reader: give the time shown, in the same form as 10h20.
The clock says 9h27
